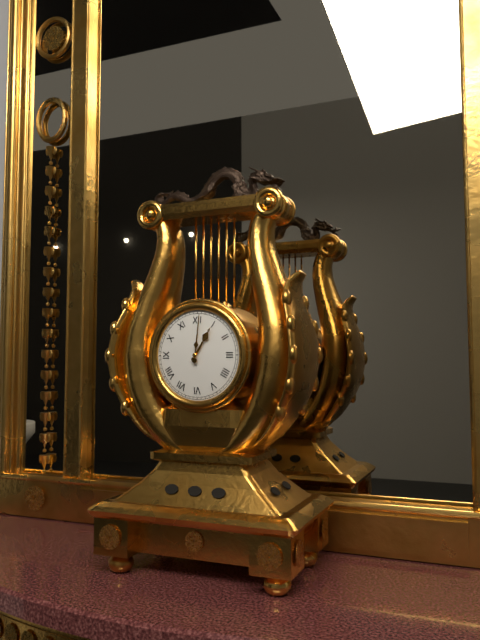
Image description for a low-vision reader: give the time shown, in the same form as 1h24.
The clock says 1h01
